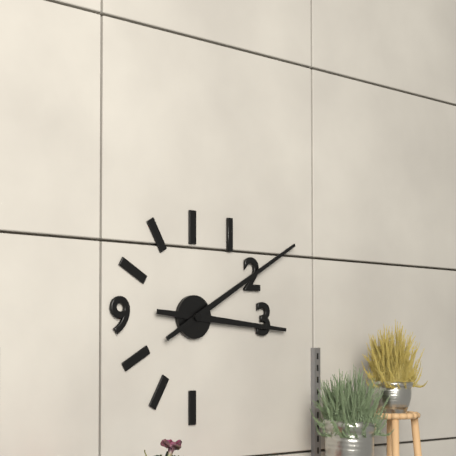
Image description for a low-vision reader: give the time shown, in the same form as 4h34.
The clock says 3h10
